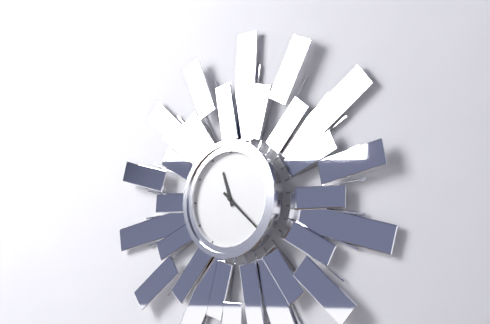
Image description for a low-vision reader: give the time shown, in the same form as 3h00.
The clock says 11h22
